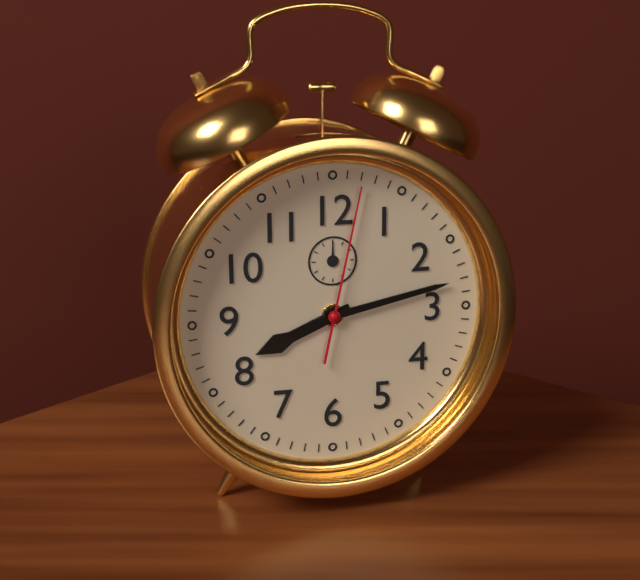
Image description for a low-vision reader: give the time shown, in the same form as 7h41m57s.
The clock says 8h13m02s
